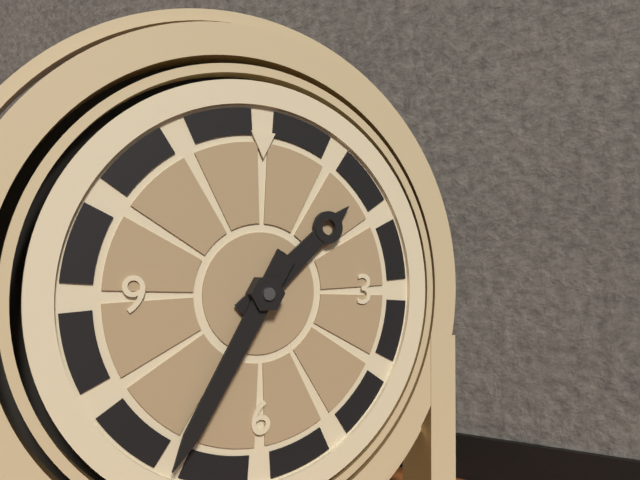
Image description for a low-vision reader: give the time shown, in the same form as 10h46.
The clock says 1h35
